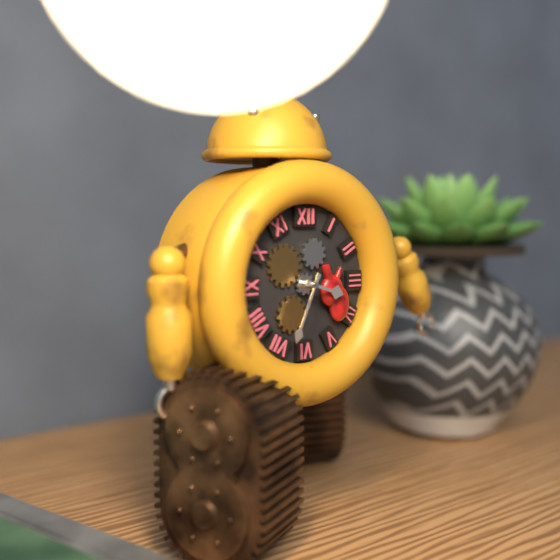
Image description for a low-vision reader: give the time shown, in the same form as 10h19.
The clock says 3h34
